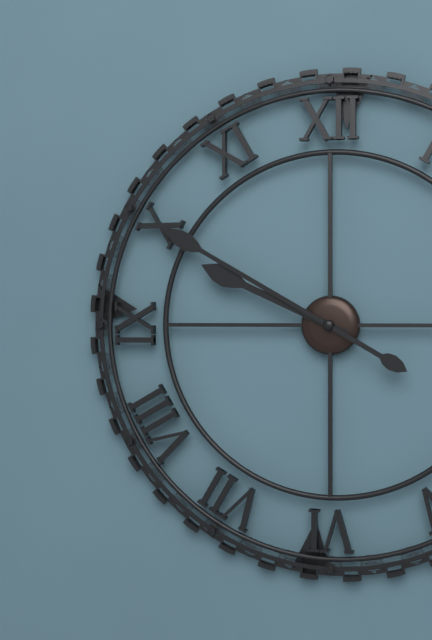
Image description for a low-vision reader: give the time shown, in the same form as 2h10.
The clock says 9h50
